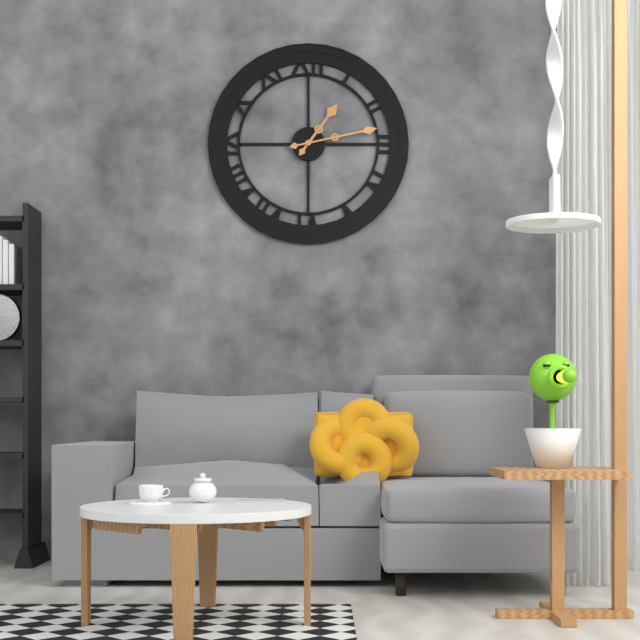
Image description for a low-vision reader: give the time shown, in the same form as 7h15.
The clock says 1h13
